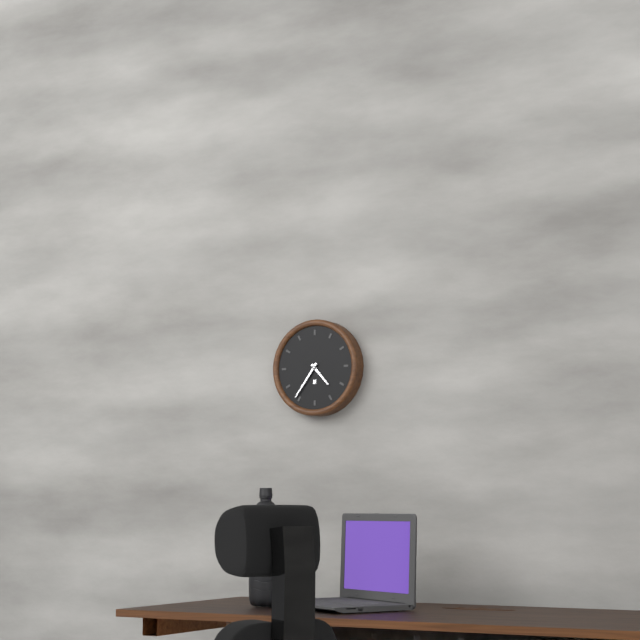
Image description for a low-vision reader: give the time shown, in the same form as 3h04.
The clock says 4h36
